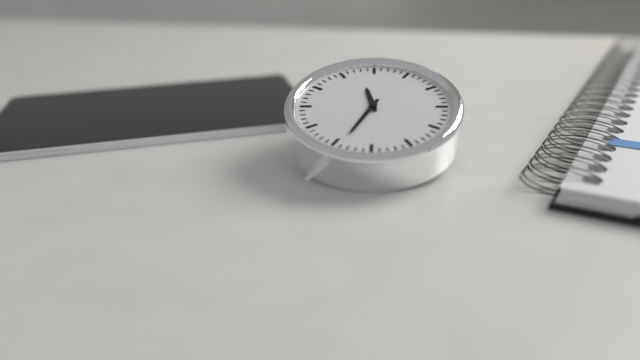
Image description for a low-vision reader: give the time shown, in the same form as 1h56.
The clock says 11h34
